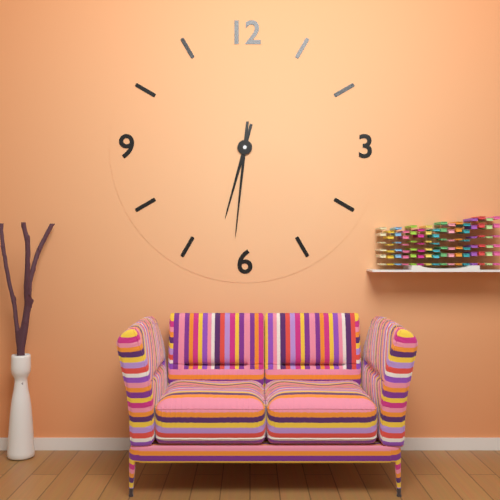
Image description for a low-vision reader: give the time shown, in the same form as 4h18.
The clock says 6h31
